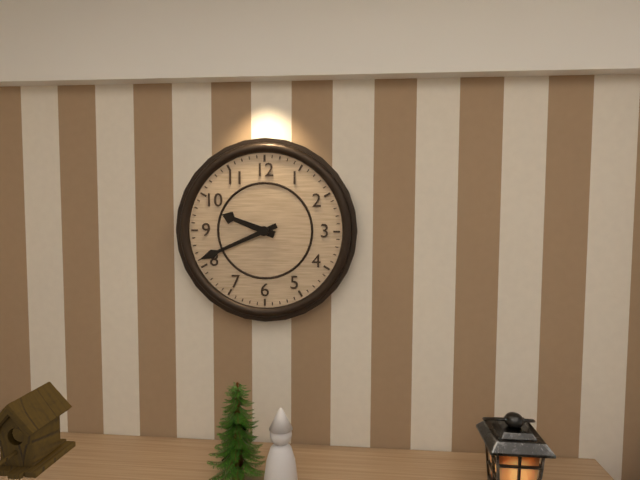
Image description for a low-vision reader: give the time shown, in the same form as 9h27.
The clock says 9h41
